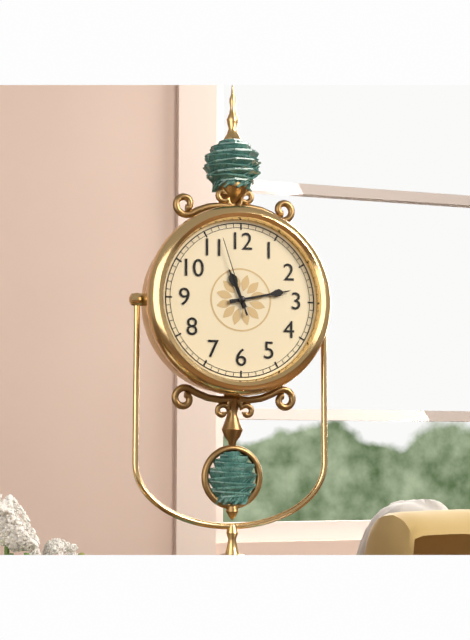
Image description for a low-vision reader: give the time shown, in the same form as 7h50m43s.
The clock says 11h13m57s
